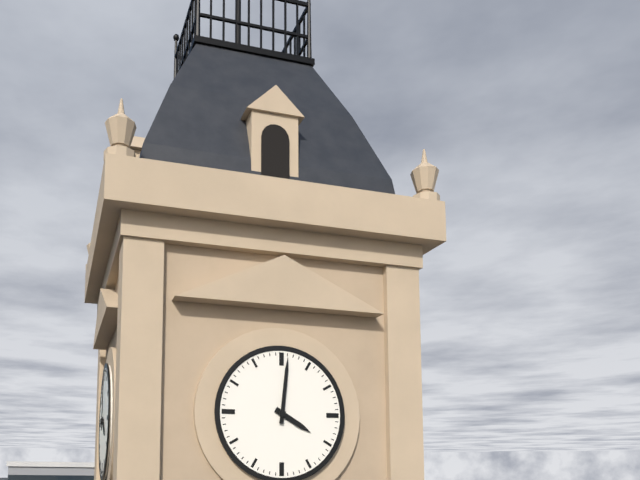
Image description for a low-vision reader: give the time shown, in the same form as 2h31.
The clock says 4h01
